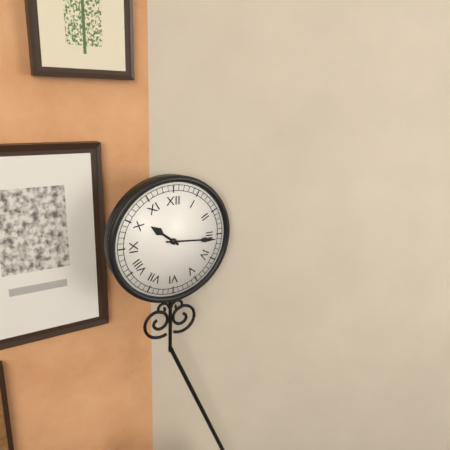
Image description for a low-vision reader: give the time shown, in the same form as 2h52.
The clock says 10h16
